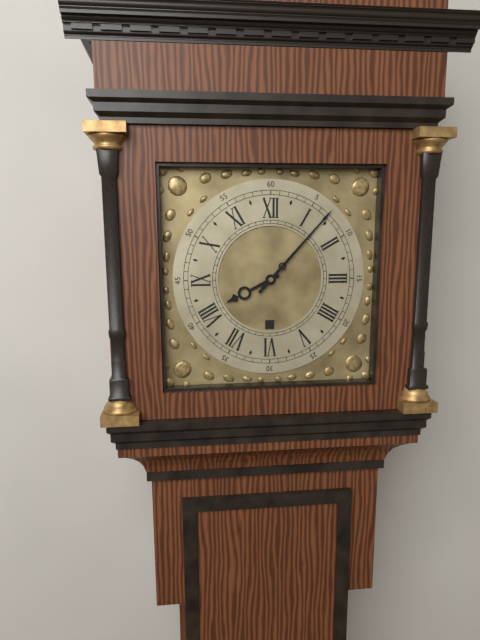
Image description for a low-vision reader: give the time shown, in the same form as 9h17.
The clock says 8h07
